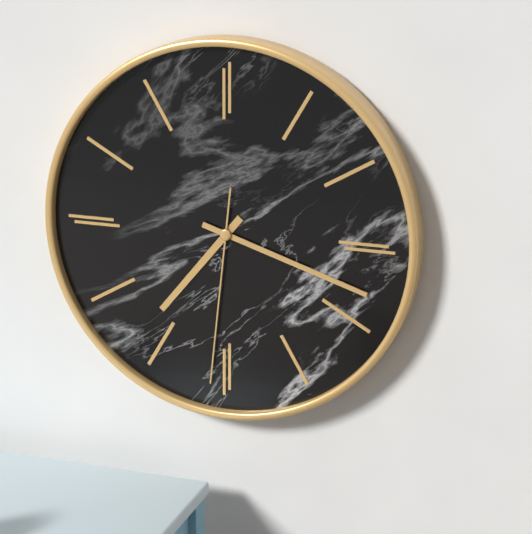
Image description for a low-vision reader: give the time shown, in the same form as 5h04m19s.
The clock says 7h18m31s
